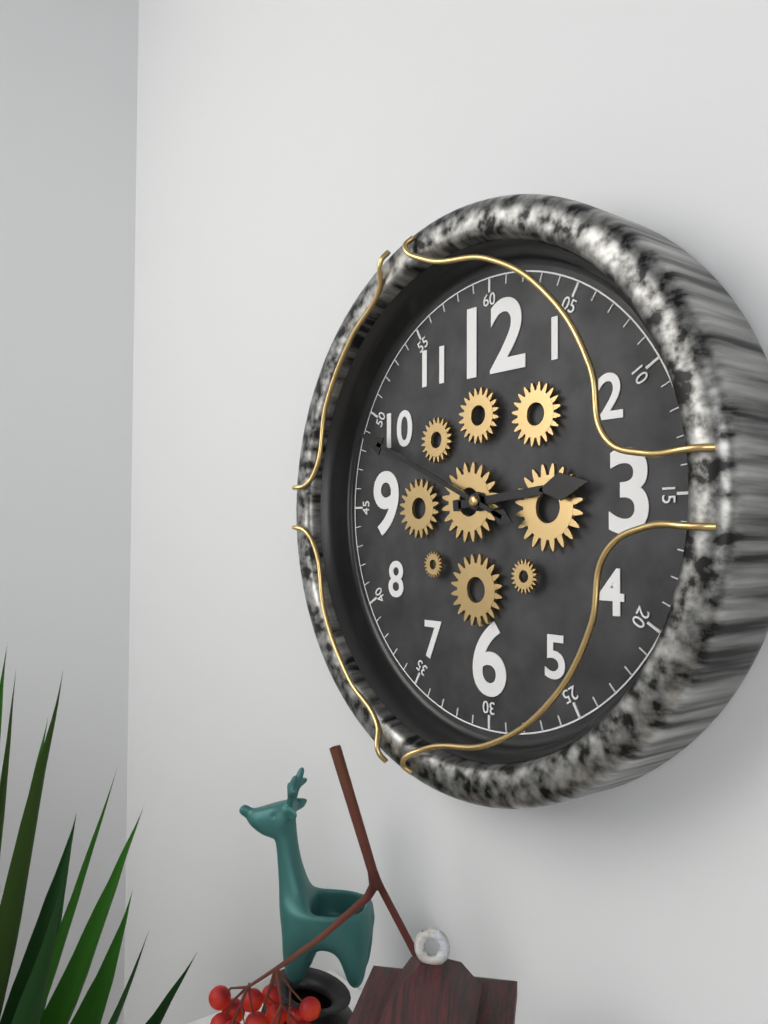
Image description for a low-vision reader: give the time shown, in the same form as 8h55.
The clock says 2h49
